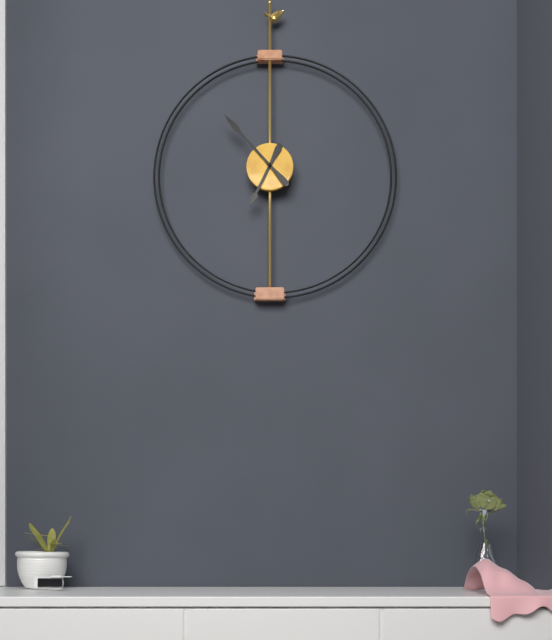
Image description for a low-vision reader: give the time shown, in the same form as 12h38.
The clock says 6h53
